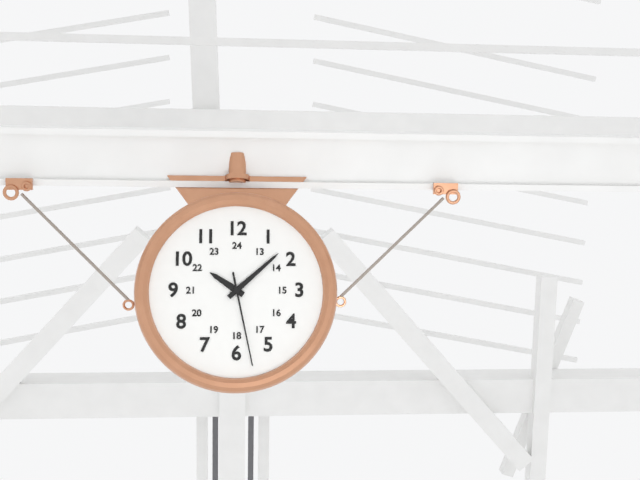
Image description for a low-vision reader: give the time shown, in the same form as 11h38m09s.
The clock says 10h08m28s
